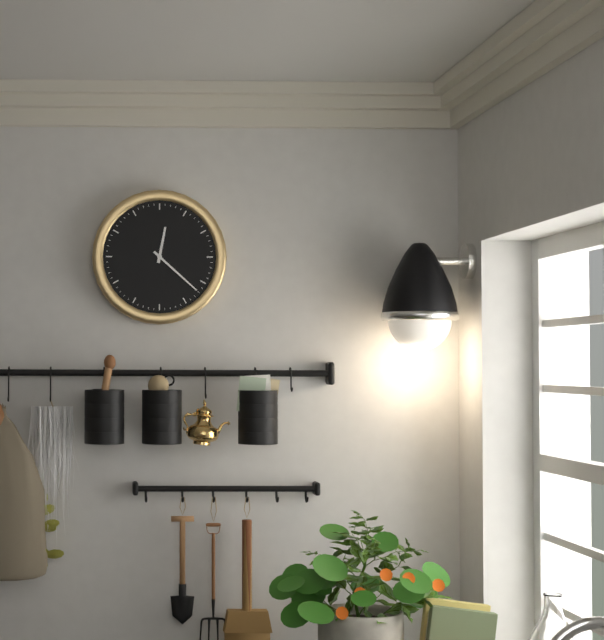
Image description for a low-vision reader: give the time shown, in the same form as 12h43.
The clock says 12h22
